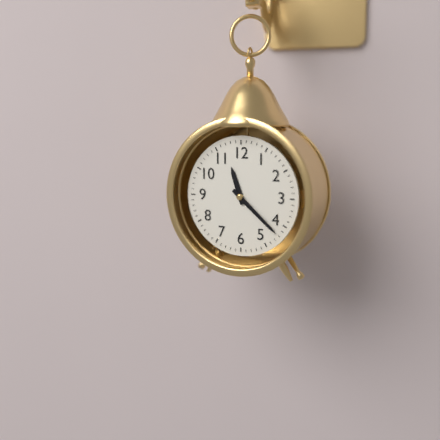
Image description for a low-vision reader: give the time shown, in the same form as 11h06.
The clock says 11h22
